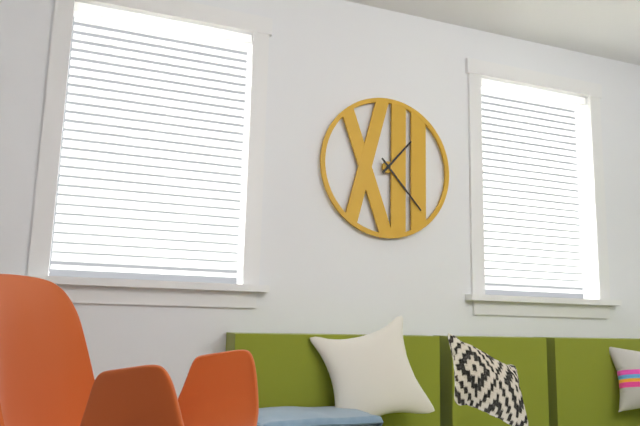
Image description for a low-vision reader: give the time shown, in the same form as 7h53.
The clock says 1h23
